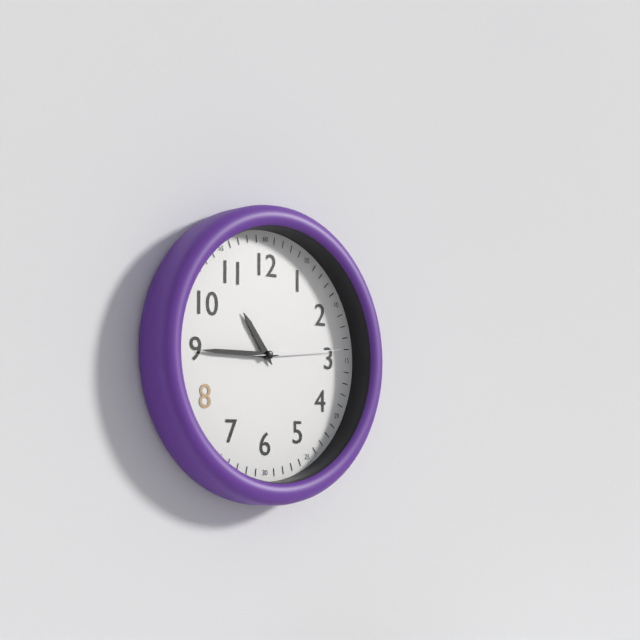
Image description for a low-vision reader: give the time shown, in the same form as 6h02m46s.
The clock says 10h45m14s
